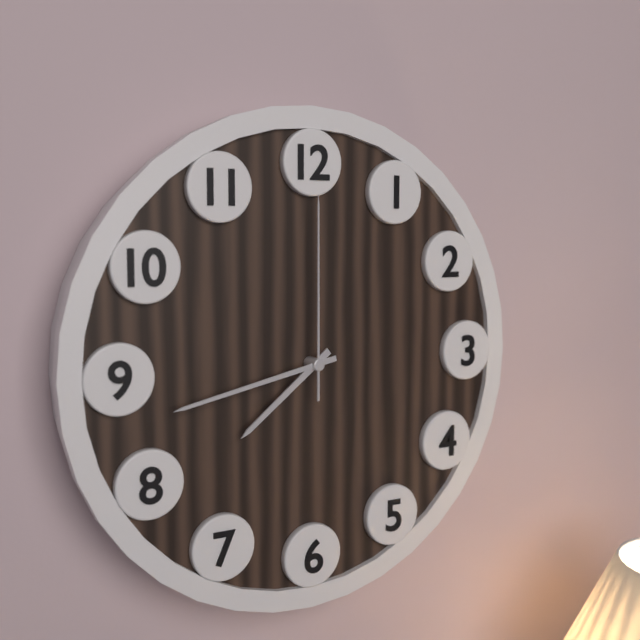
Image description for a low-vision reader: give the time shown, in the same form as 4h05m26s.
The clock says 7h43m00s
